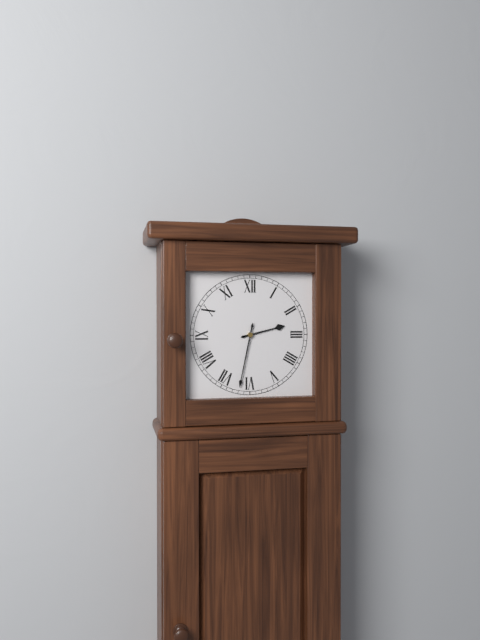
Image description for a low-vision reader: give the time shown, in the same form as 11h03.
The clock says 2h32
